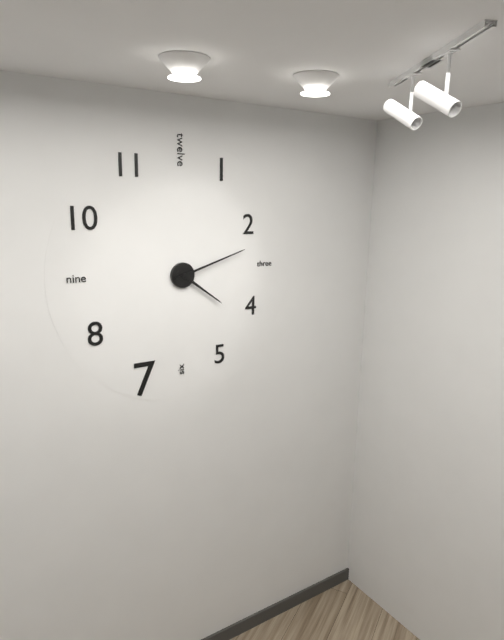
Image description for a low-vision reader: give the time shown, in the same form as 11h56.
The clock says 4h12
